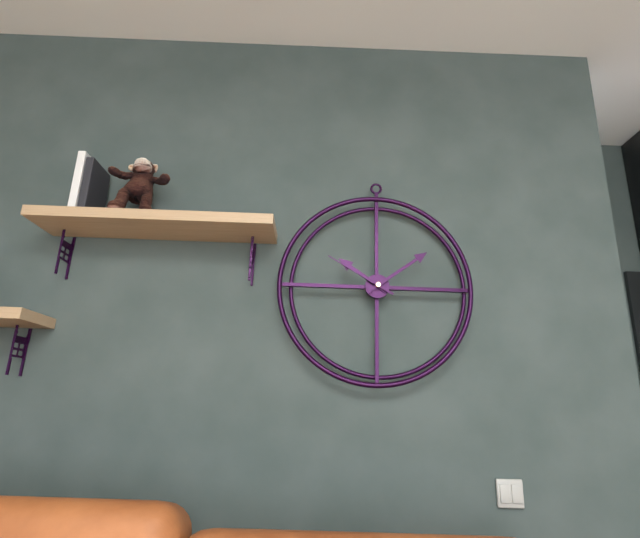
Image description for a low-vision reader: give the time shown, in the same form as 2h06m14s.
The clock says 10h09m50s
